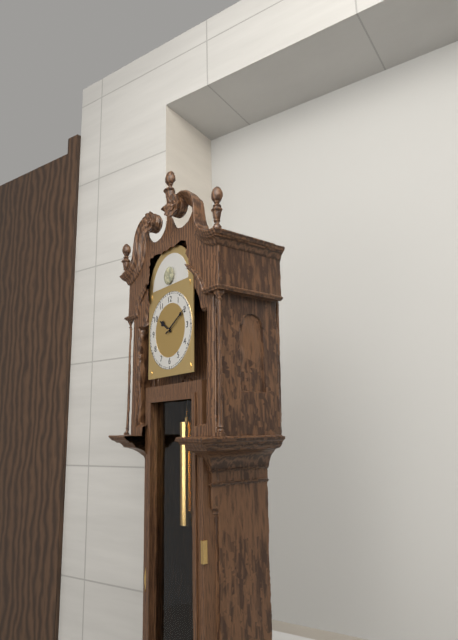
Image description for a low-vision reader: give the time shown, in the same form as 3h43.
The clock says 10h10
